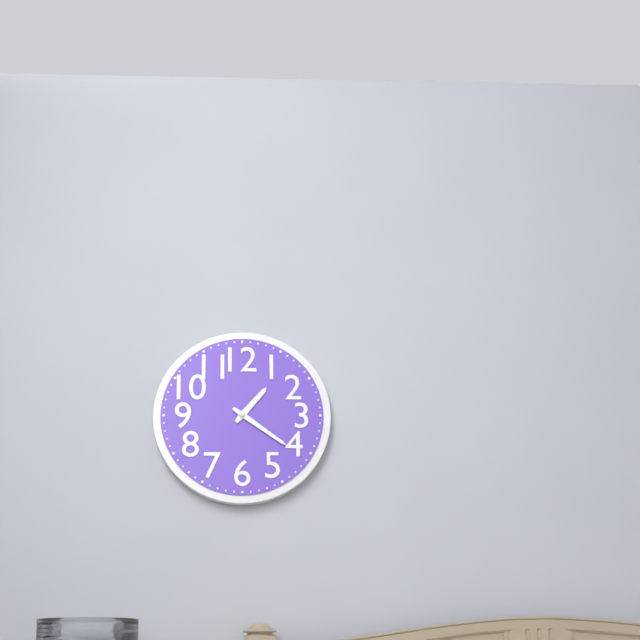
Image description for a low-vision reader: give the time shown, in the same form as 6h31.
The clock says 1h21
